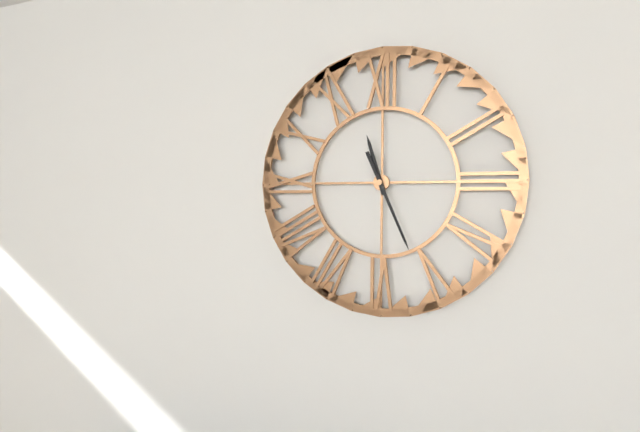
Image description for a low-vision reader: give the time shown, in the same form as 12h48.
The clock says 11h26
